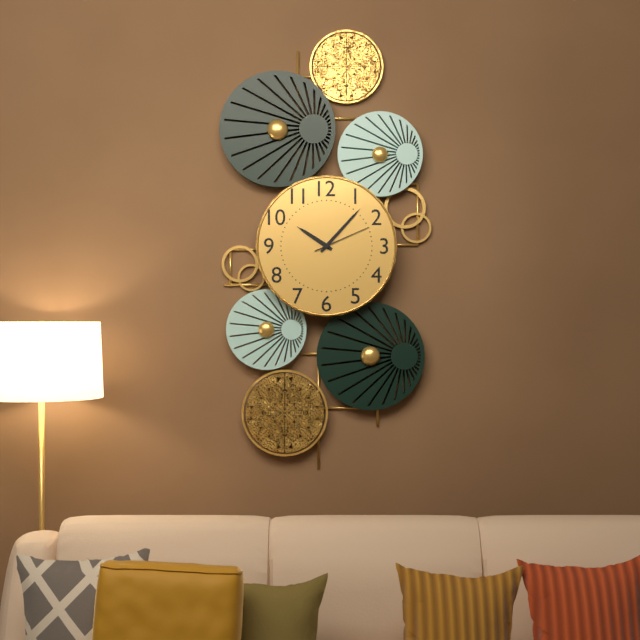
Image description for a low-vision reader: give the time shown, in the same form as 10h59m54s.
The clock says 10h07m11s
